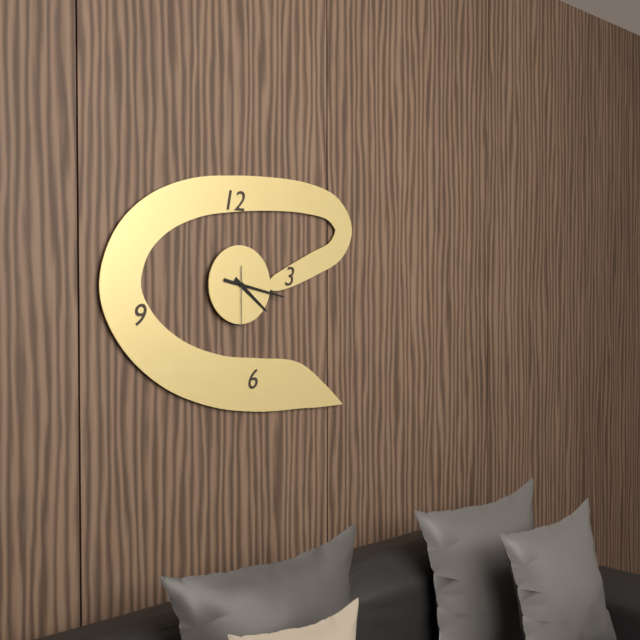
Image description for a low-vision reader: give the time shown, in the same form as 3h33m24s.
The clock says 4h17m30s
